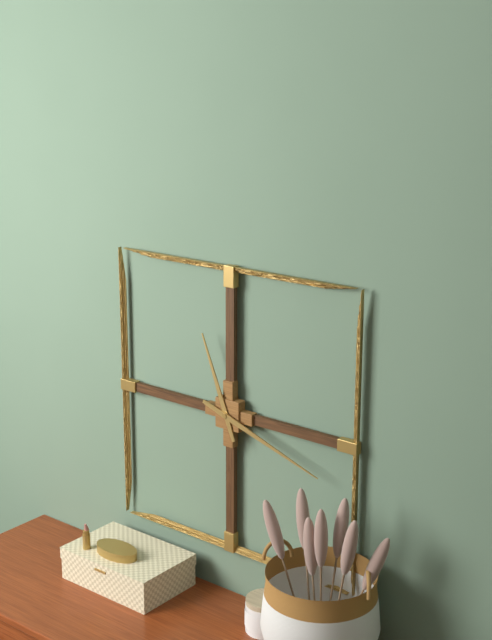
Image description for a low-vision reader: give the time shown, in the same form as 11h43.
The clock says 11h18
